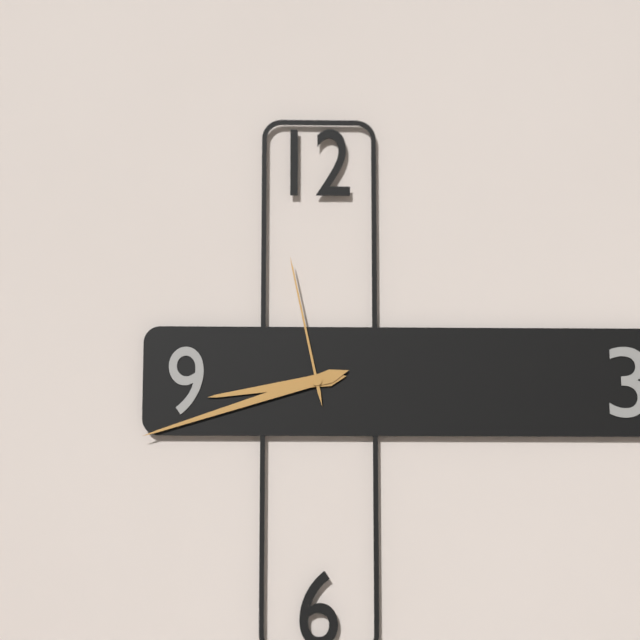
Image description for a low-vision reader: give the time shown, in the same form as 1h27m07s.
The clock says 8h42m58s
